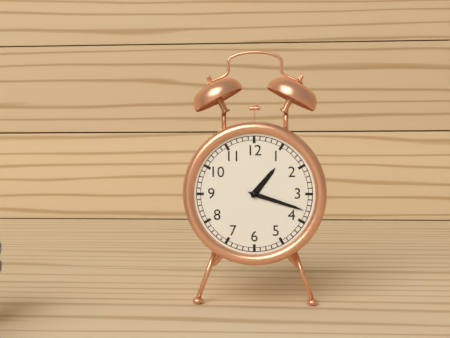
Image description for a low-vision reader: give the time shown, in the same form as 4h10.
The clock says 1h18
